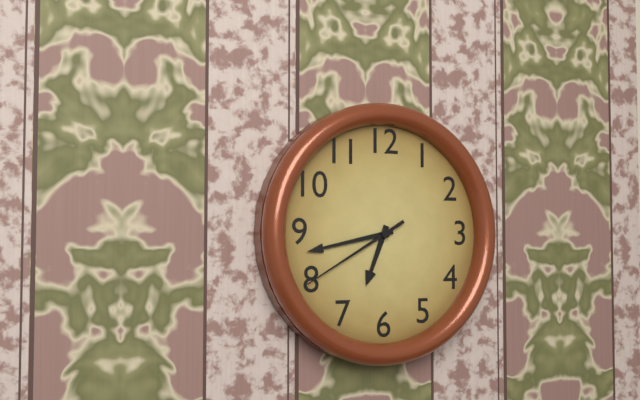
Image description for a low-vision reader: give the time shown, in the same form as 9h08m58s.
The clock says 6h43m40s
